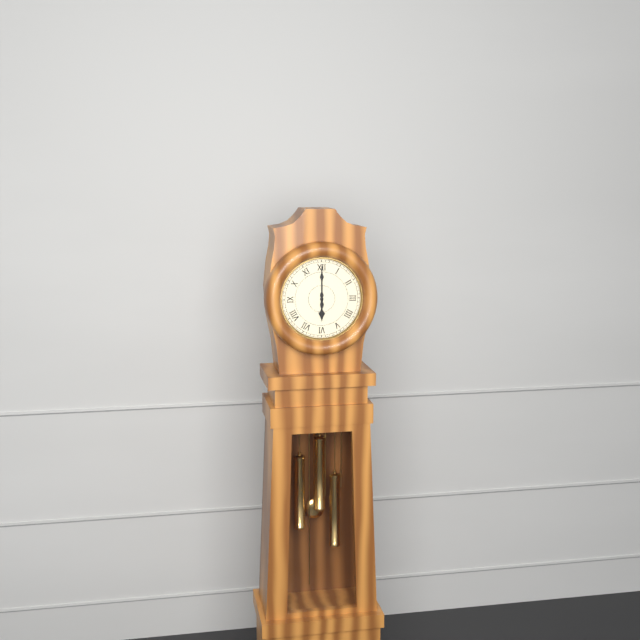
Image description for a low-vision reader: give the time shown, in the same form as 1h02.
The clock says 6h00
